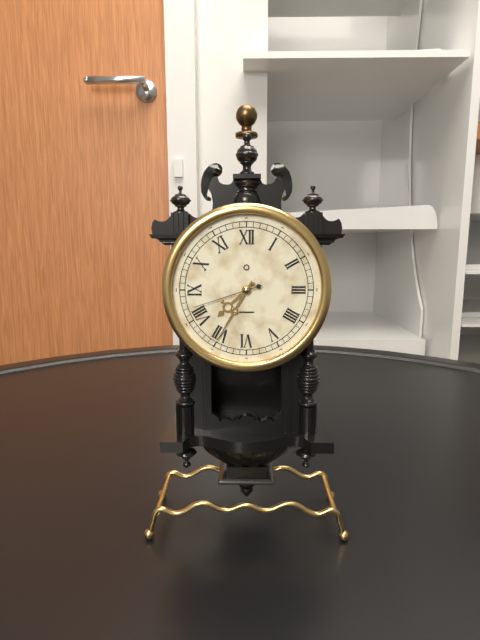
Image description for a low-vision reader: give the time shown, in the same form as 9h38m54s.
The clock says 7h35m42s
